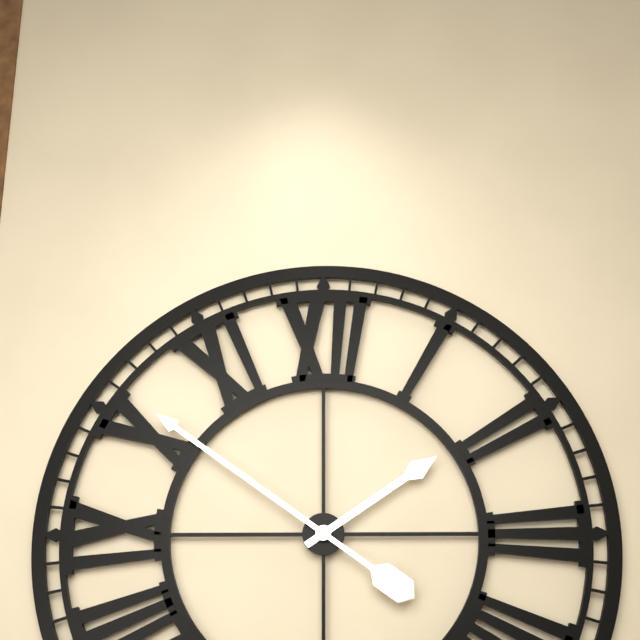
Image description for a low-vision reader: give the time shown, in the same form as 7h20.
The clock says 1h51
